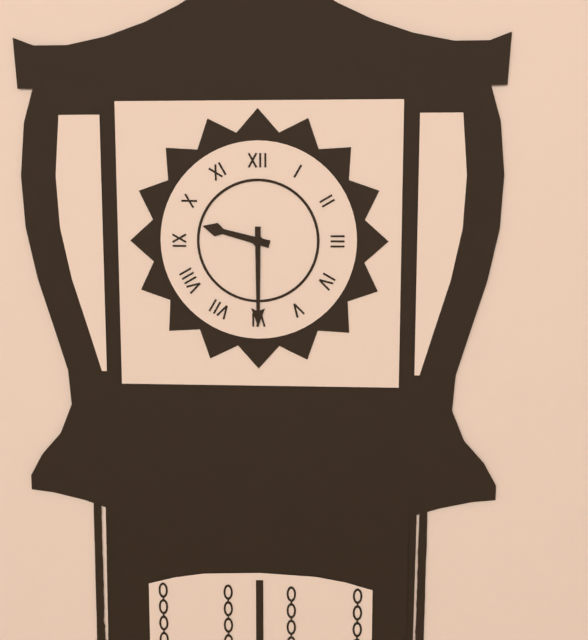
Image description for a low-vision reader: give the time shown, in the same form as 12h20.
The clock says 9h30
